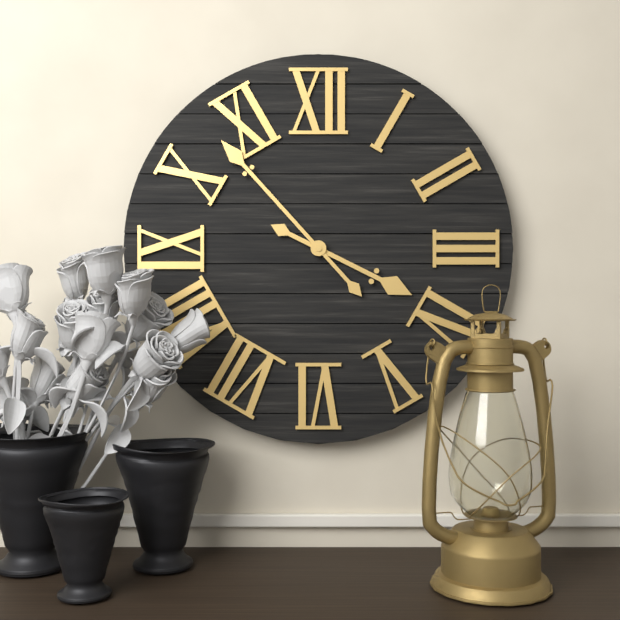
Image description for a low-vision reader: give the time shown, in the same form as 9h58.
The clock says 3h53
